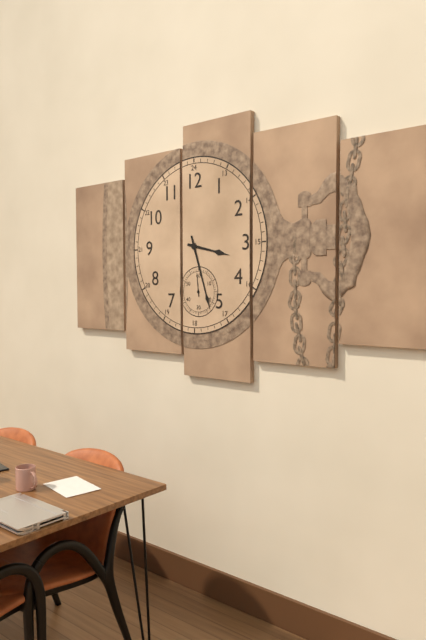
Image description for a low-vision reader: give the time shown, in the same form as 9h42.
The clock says 3h27
